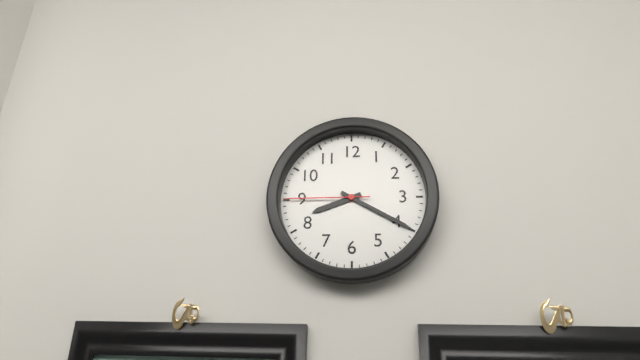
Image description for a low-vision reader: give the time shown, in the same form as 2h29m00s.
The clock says 8h20m45s
